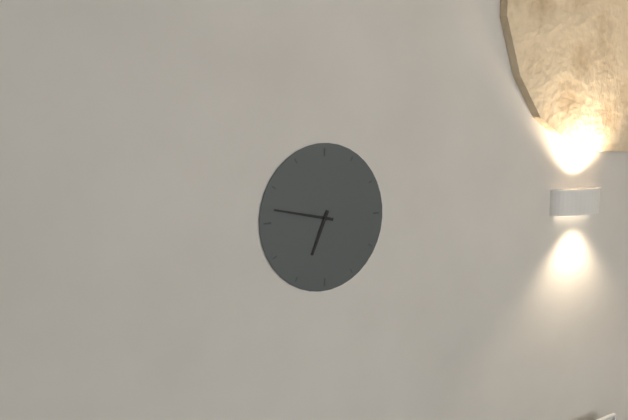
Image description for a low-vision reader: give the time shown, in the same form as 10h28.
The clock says 6h47
